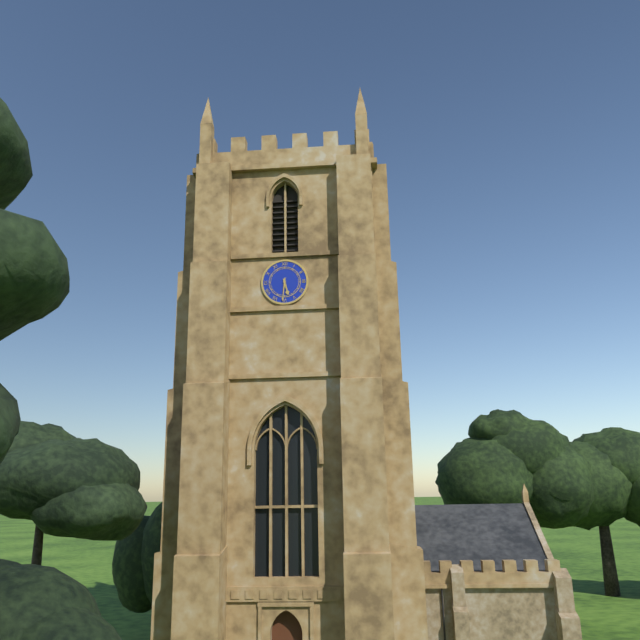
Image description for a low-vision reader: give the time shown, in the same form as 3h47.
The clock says 5h31
